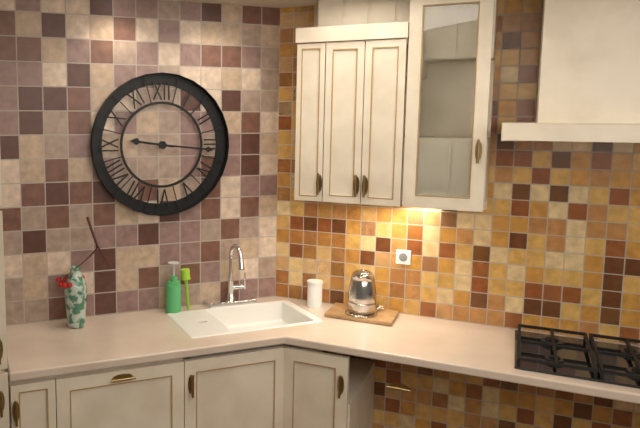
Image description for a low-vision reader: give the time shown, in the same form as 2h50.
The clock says 9h16
